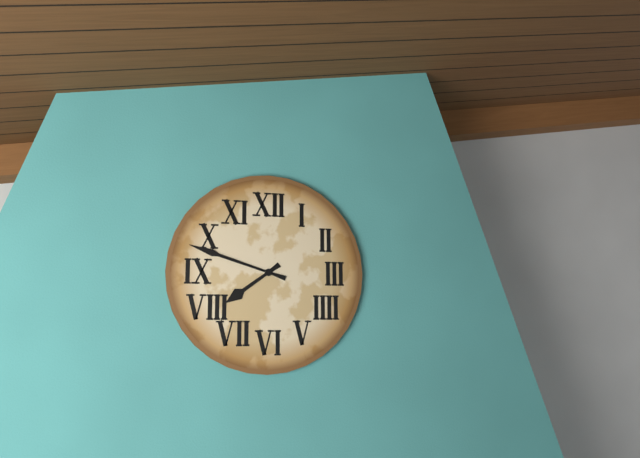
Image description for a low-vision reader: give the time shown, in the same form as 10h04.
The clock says 7h48
